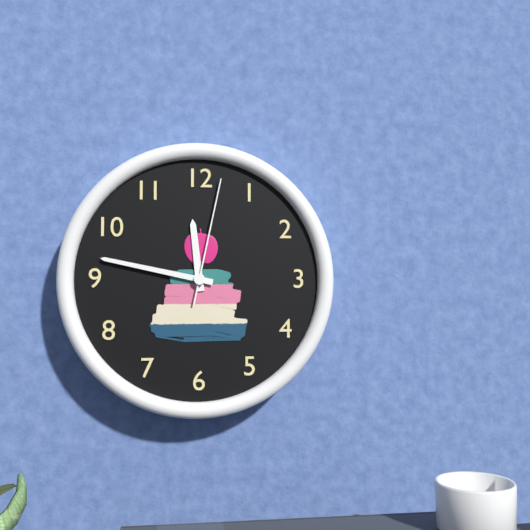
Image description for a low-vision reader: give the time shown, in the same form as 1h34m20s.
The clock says 11h47m02s
